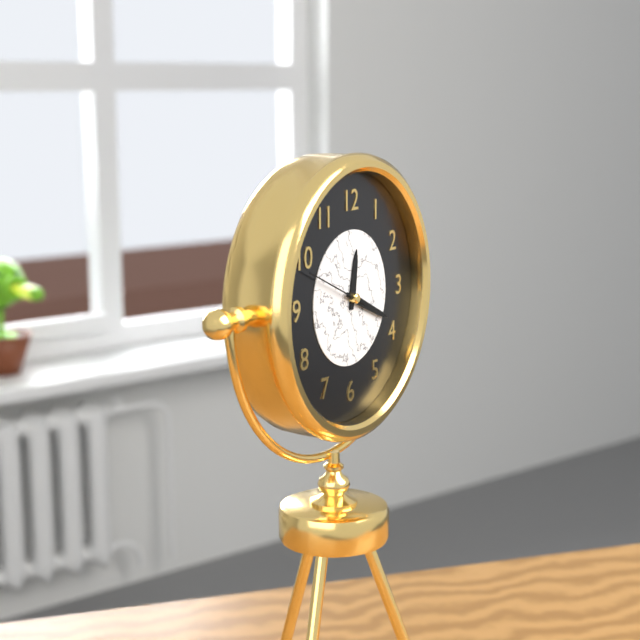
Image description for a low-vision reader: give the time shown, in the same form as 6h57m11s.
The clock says 12h19m49s
